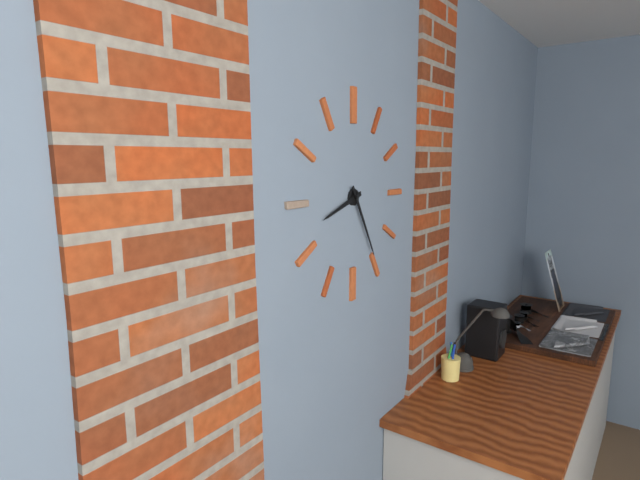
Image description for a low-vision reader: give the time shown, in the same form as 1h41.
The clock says 8h25
